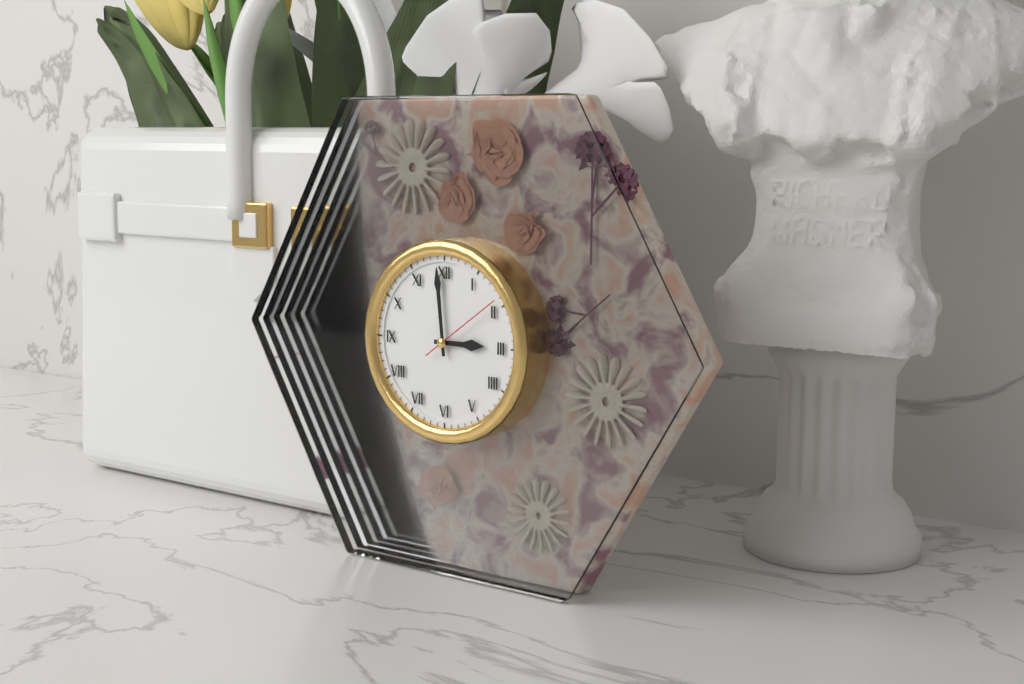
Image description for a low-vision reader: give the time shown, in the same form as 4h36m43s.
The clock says 2h59m09s
